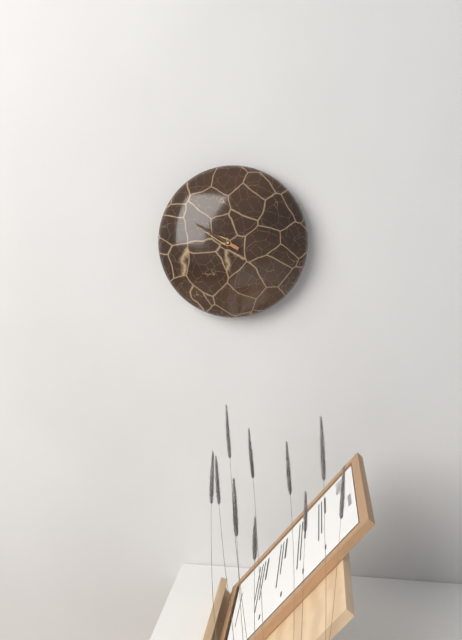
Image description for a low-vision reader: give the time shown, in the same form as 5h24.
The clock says 9h50
